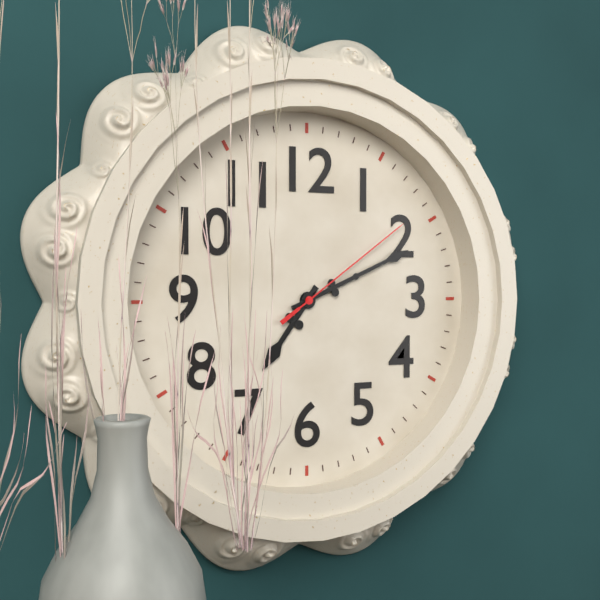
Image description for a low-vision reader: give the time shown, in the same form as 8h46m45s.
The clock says 7h11m09s
